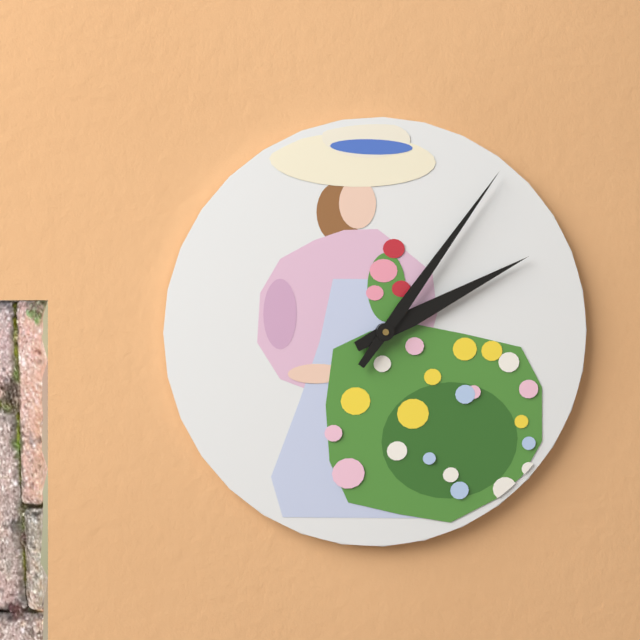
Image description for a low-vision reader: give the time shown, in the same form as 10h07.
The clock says 2h06
